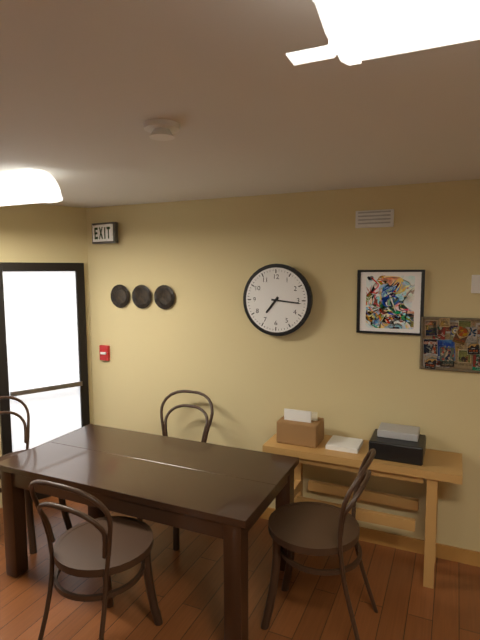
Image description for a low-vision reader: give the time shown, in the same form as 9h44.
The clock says 7h16
